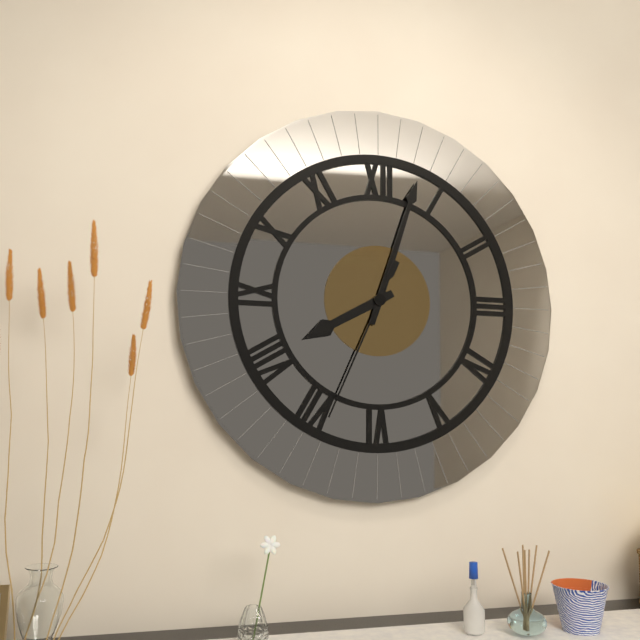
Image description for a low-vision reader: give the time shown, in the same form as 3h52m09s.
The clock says 8h03m34s
